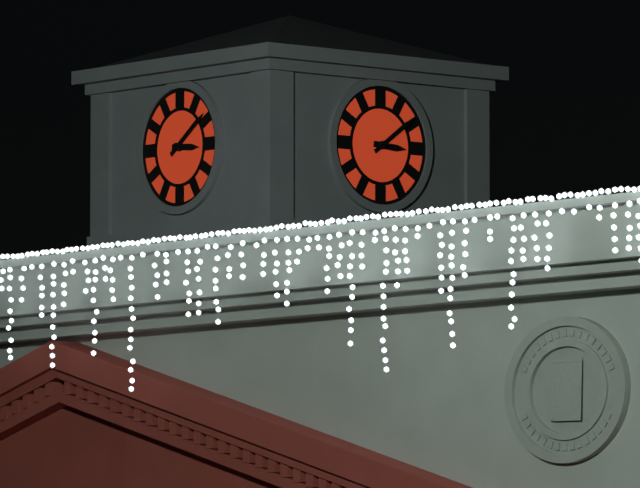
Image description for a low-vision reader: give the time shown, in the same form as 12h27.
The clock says 3h09
